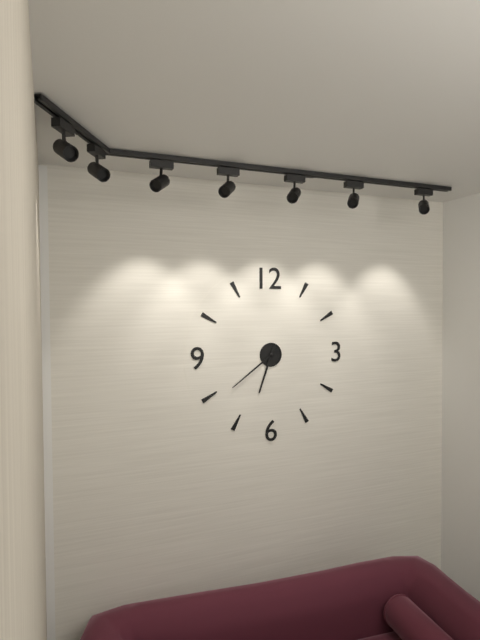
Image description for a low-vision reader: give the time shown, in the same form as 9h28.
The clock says 6h39
